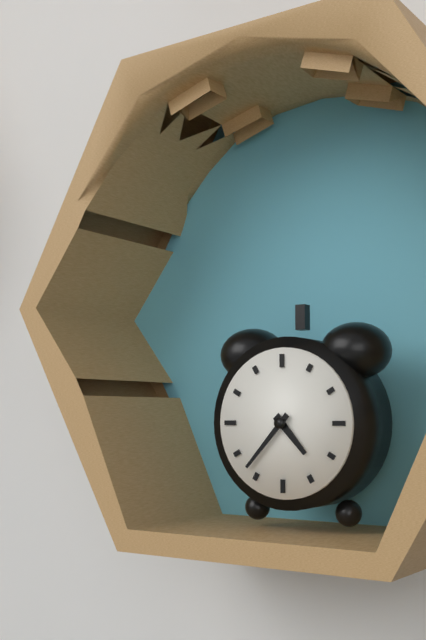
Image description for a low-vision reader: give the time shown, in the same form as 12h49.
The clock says 4h37
